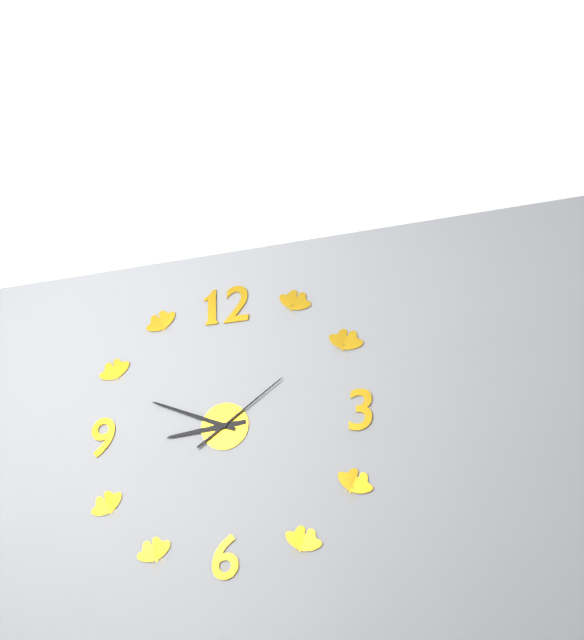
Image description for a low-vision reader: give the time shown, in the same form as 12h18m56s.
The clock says 8h49m09s
